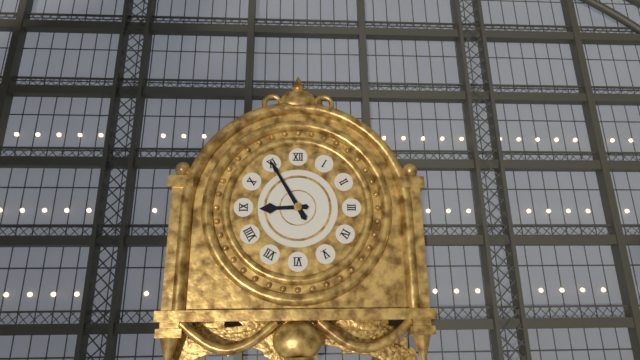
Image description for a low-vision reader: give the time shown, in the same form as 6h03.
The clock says 8h55
